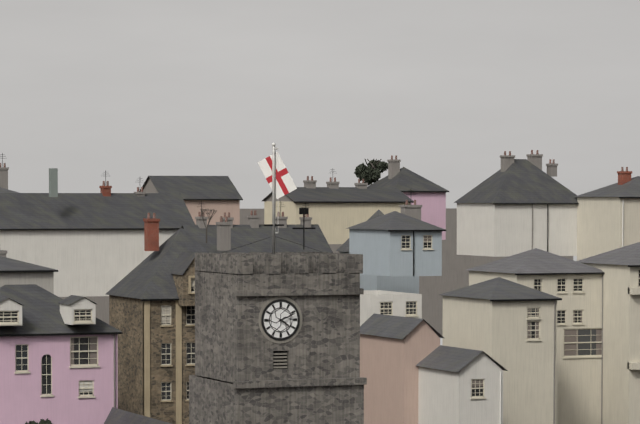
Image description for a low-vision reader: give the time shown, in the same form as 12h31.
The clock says 4h11
